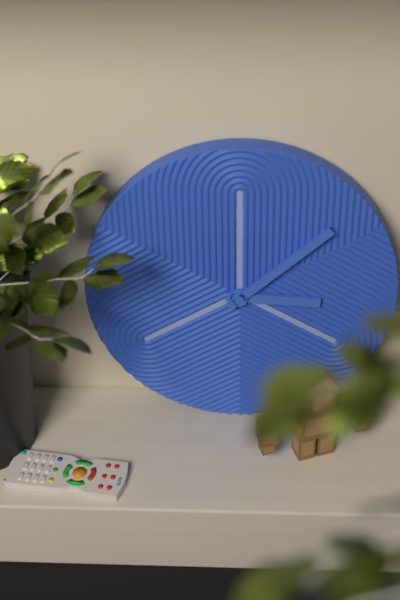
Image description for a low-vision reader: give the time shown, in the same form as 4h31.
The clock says 3h08
